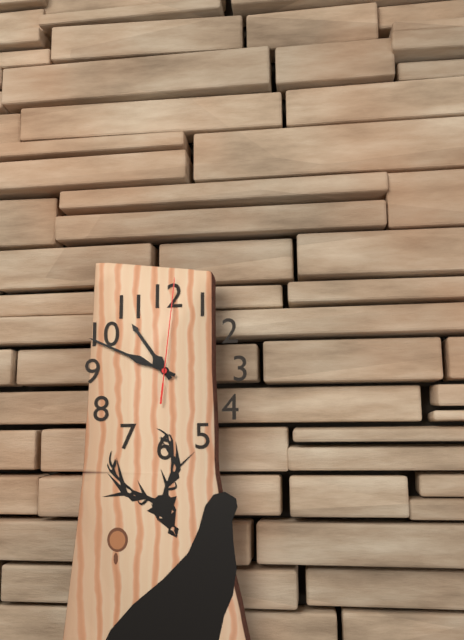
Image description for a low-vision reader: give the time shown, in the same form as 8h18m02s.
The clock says 10h49m01s
